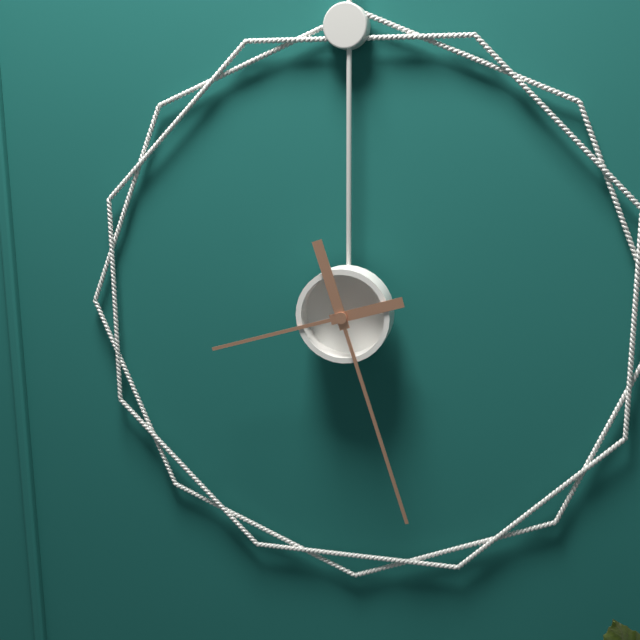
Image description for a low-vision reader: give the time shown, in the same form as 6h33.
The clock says 8h27
